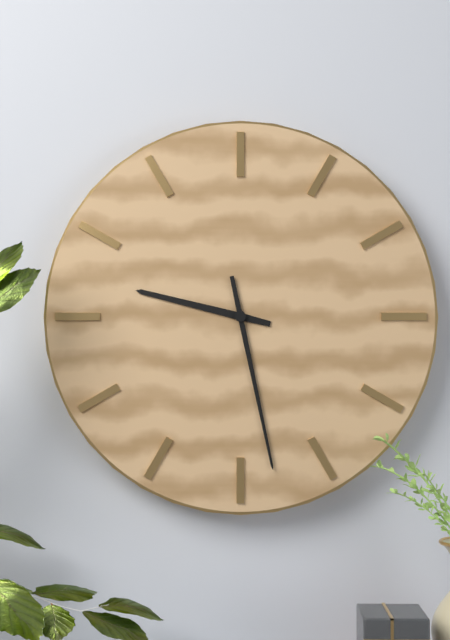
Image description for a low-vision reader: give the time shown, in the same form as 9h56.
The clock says 9h28
